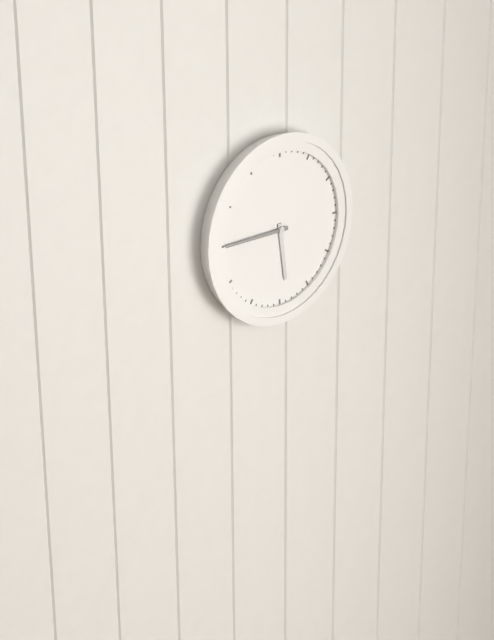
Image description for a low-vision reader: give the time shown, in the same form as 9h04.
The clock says 5h45
